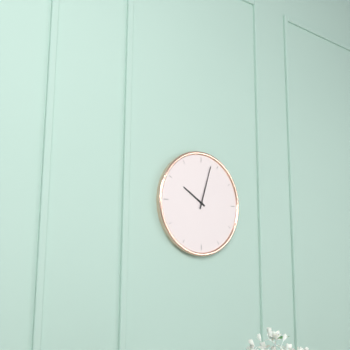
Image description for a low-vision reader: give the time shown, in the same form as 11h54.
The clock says 10h03
